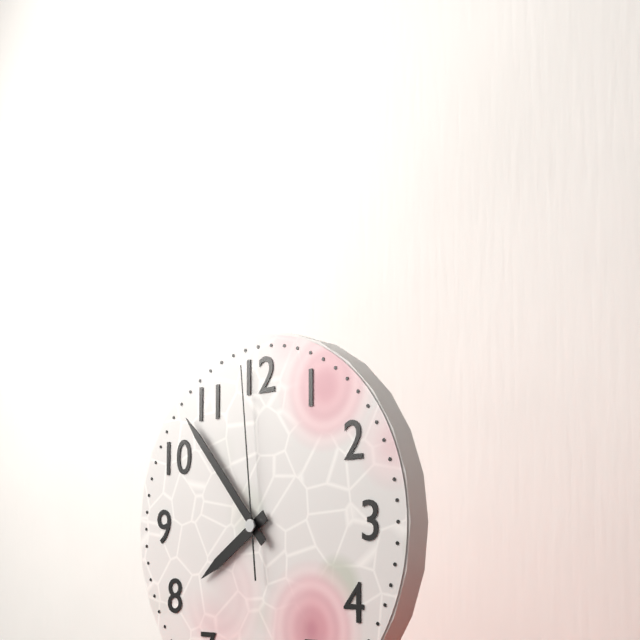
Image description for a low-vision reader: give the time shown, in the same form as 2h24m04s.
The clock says 7h53m59s
